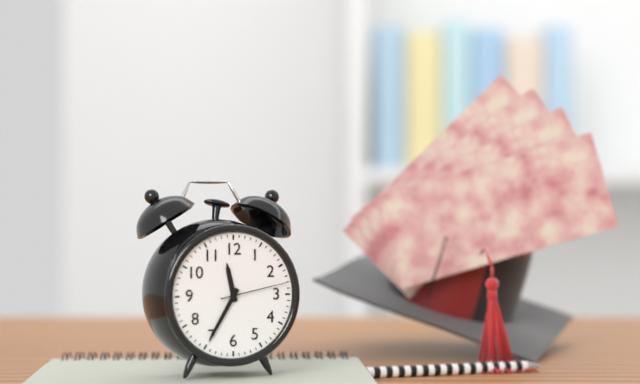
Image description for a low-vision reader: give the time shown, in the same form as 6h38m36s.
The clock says 11h35m13s
